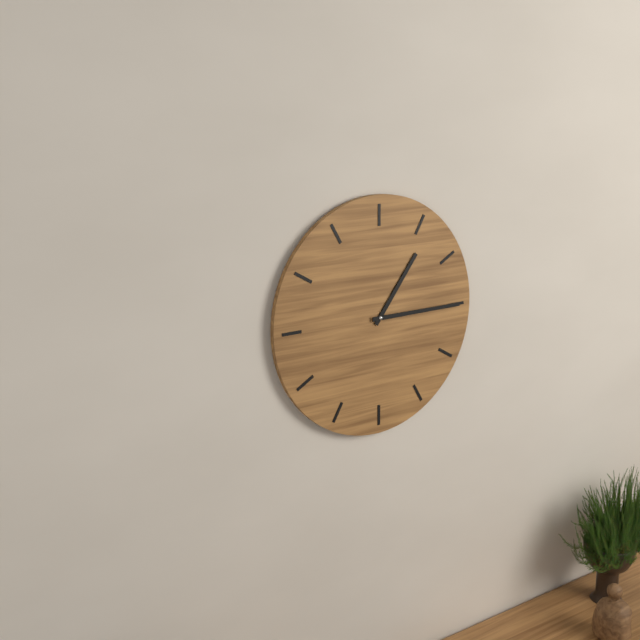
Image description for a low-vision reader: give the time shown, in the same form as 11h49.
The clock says 1h15
